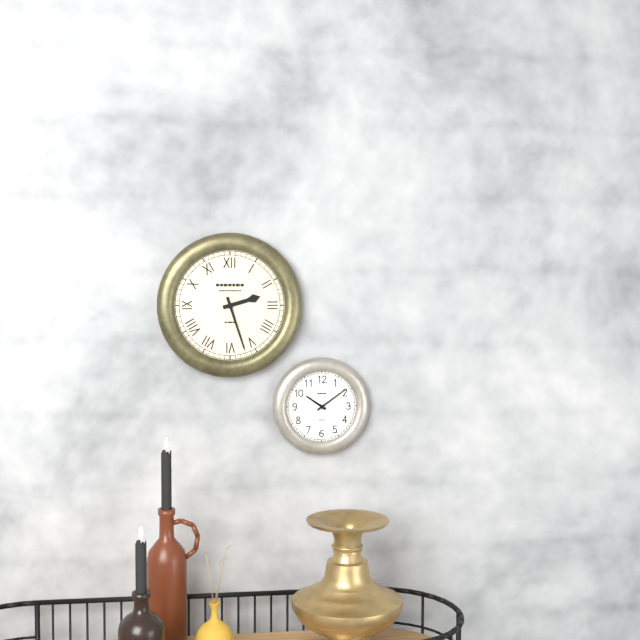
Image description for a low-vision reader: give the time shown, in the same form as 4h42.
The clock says 2h27
